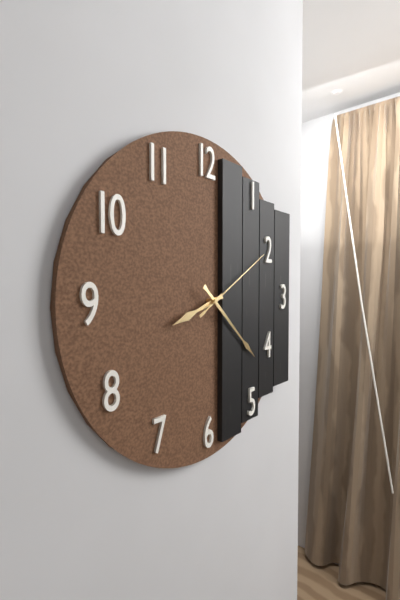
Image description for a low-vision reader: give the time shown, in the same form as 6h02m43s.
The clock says 8h22m10s
